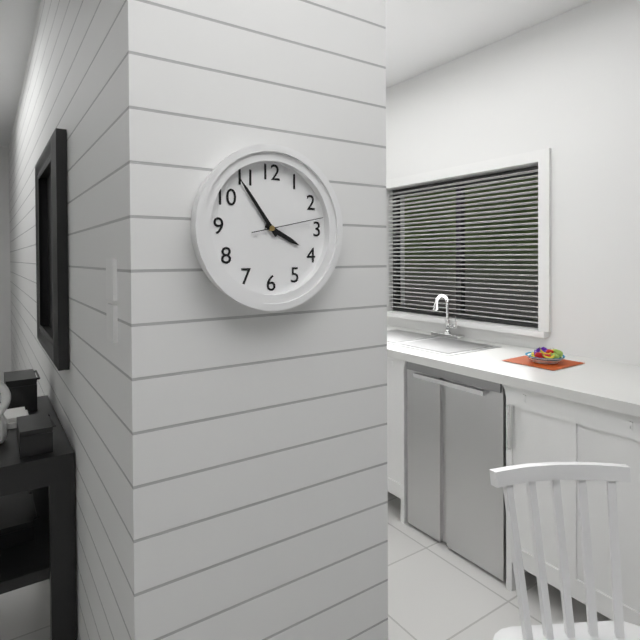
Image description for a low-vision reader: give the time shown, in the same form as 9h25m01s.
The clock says 3h54m13s
